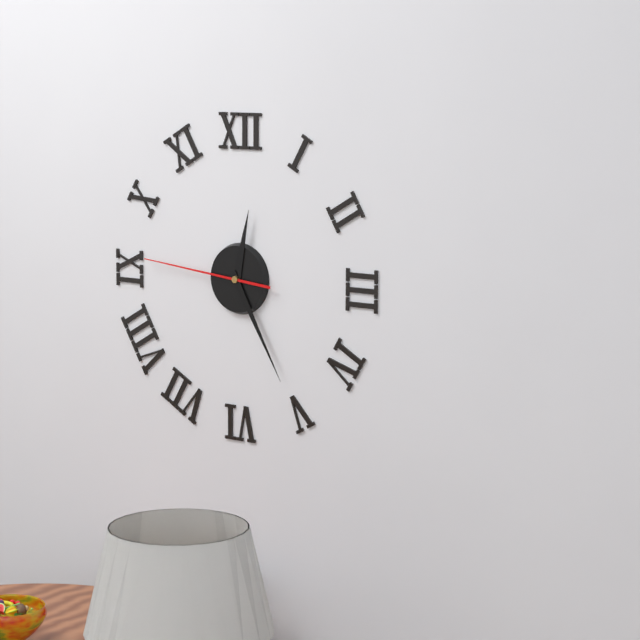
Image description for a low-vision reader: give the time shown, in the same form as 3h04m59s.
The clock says 12h25m46s
